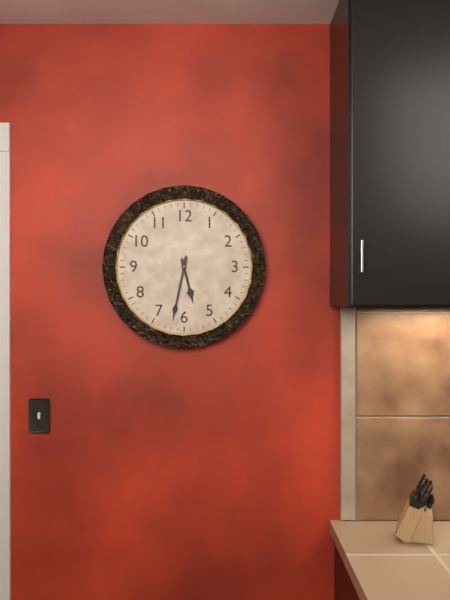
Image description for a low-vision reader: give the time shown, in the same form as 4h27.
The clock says 5h32
